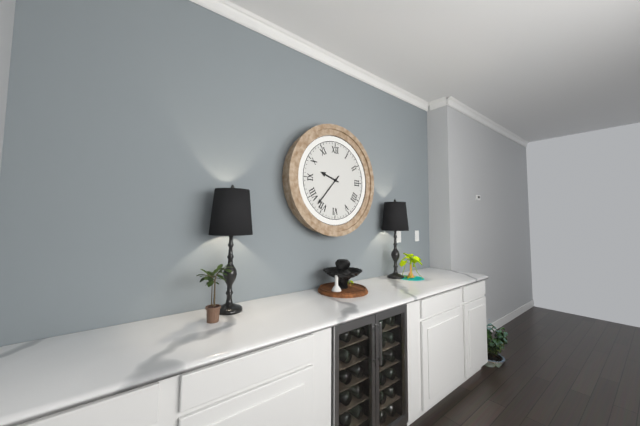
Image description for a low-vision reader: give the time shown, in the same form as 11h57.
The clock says 9h37
